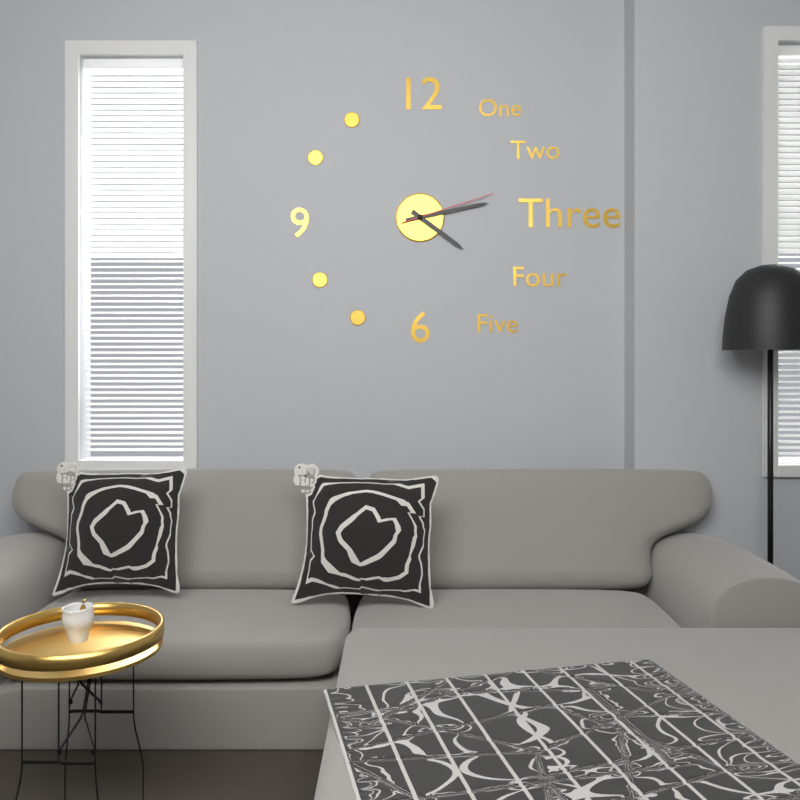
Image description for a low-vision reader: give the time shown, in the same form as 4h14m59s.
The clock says 4h13m12s
